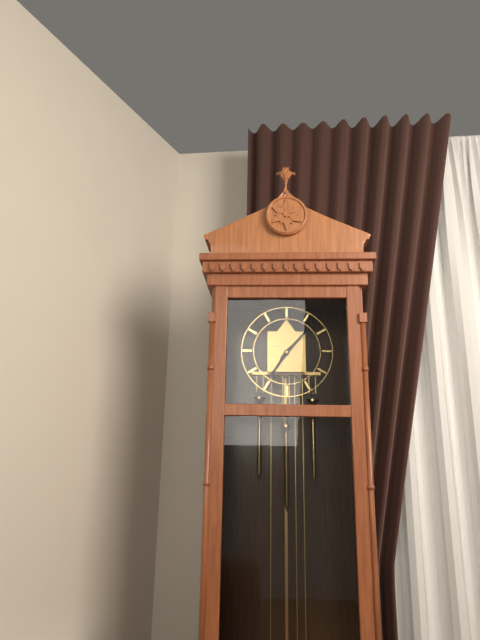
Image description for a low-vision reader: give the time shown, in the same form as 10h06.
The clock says 7h07
